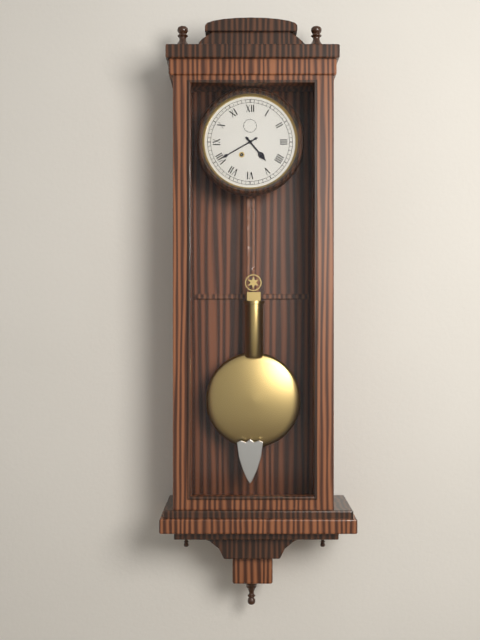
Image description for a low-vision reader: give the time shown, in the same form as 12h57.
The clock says 4h40
